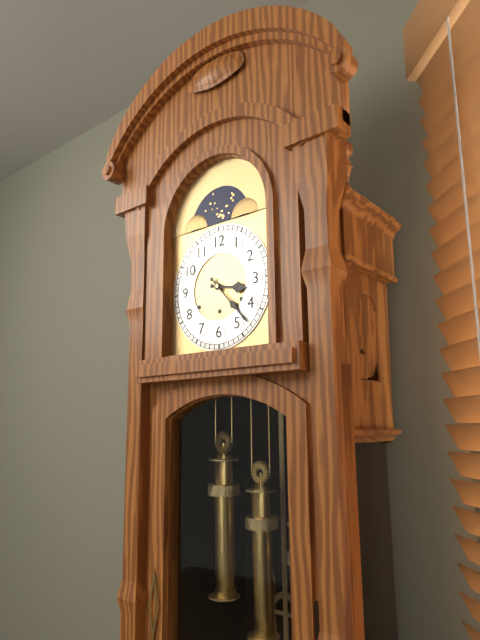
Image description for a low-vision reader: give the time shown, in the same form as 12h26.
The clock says 3h23
